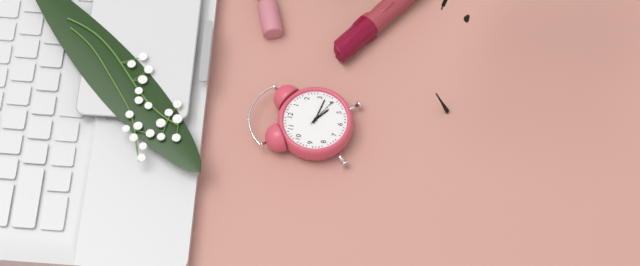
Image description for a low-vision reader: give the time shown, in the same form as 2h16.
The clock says 4h17
